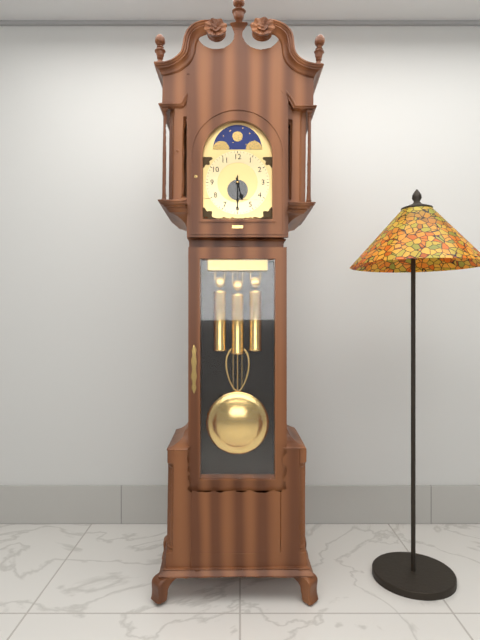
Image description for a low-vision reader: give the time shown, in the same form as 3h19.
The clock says 5h30
